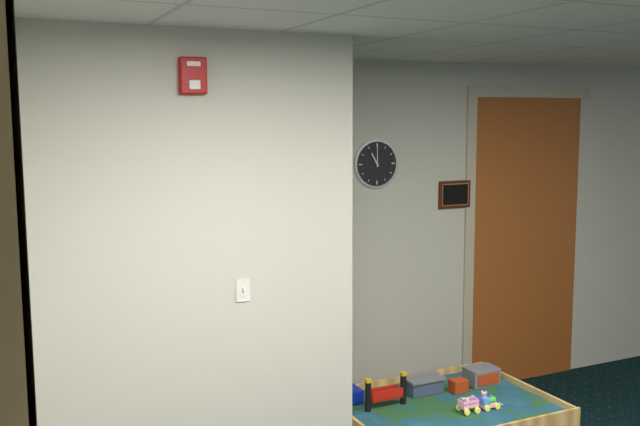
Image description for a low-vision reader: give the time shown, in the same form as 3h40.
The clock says 11h00
